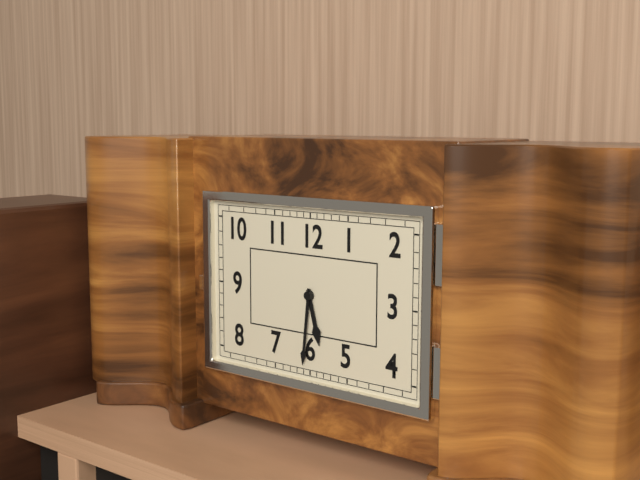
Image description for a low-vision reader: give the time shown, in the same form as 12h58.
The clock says 5h31
